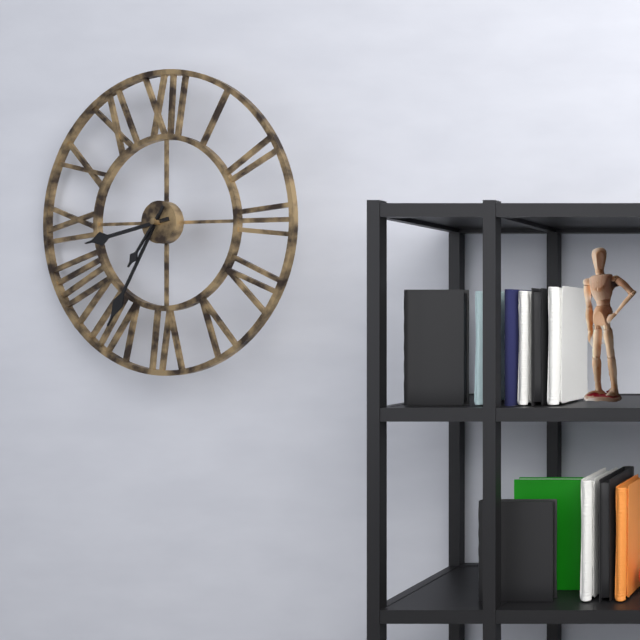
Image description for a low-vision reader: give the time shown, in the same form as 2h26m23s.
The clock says 8h35m36s
